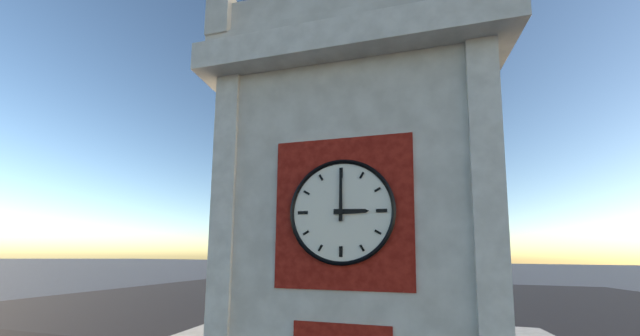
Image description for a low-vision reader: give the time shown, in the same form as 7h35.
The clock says 3h00
